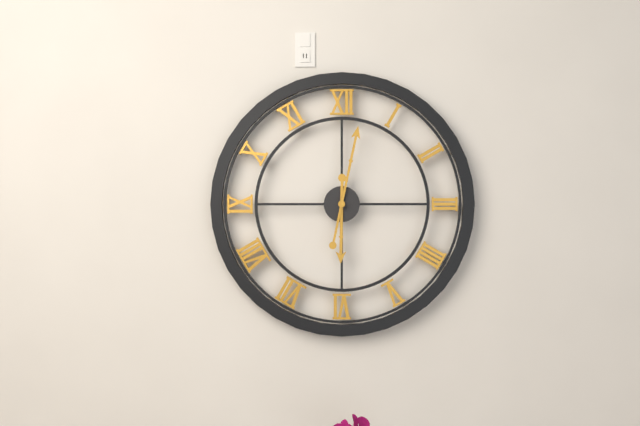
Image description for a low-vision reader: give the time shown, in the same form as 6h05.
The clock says 6h02
